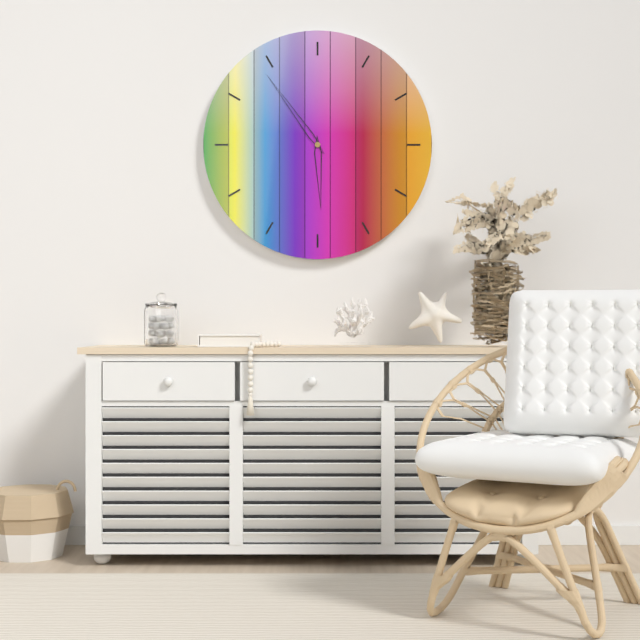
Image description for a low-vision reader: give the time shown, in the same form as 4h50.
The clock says 5h54
